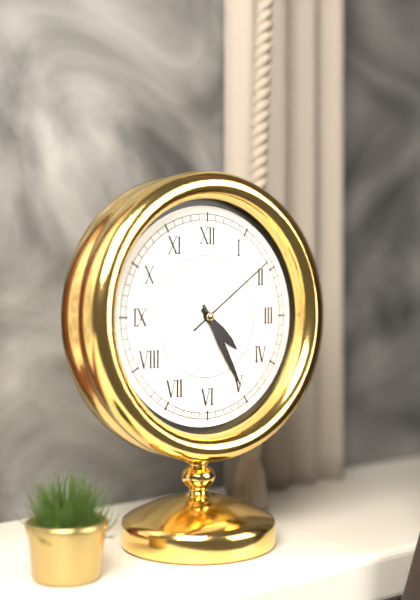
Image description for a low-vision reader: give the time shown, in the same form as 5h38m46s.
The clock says 4h25m09s
